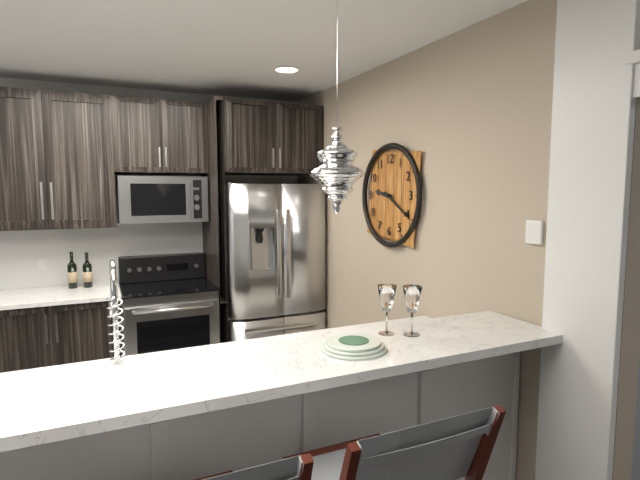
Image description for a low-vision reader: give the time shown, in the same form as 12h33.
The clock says 9h20
